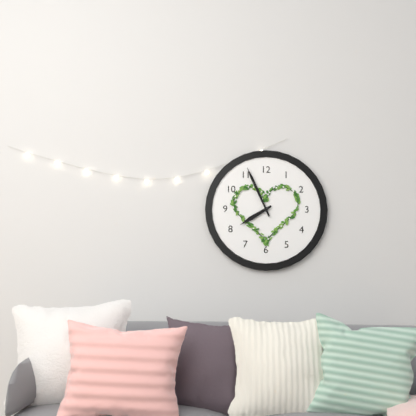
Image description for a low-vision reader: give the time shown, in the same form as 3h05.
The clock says 7h56
